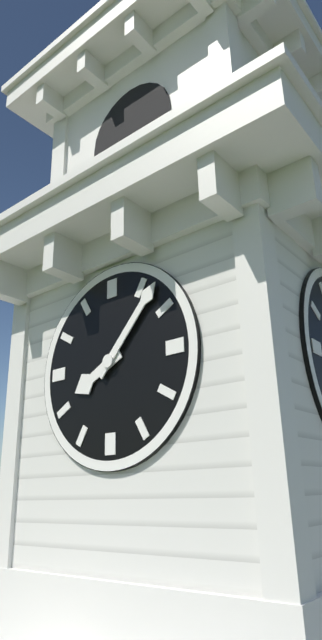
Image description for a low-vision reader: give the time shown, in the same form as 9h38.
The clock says 8h07
